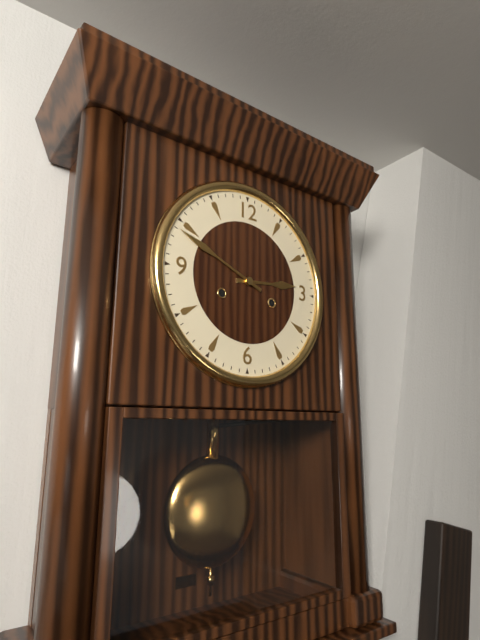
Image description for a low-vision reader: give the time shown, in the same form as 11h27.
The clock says 2h49
